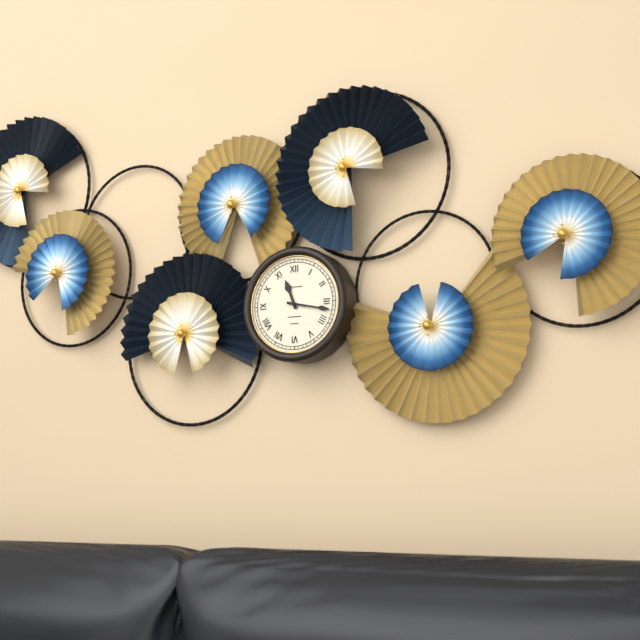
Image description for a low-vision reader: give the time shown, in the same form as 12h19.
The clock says 11h17
